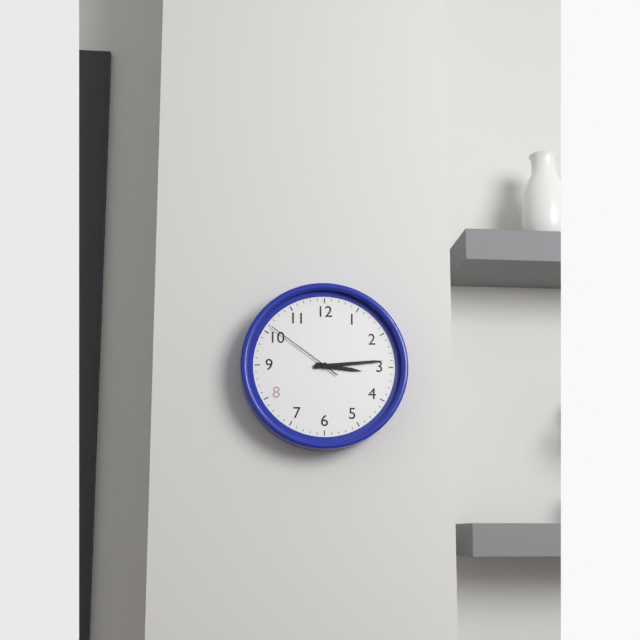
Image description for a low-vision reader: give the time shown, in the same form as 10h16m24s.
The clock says 3h14m51s
